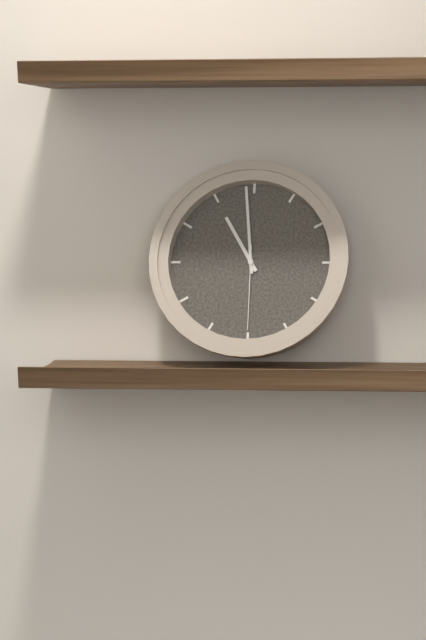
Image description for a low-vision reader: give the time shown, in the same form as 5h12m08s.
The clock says 10h59m30s
